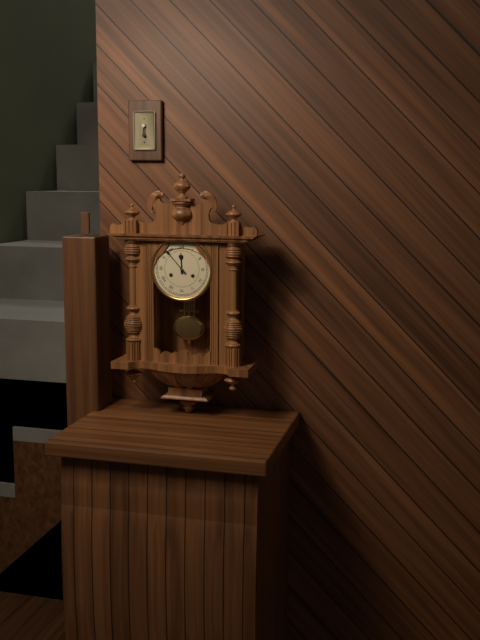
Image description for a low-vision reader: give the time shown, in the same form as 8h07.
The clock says 11h53
